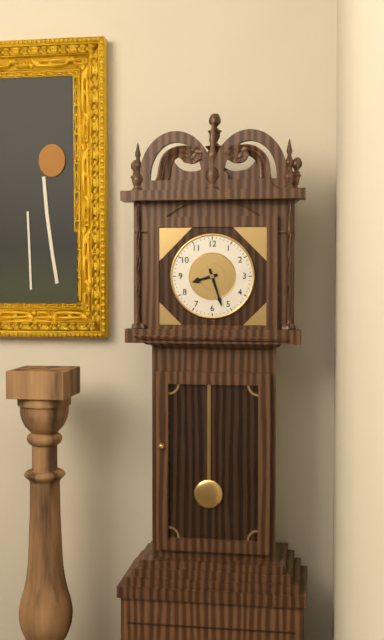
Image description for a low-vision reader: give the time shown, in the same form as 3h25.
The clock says 8h27
